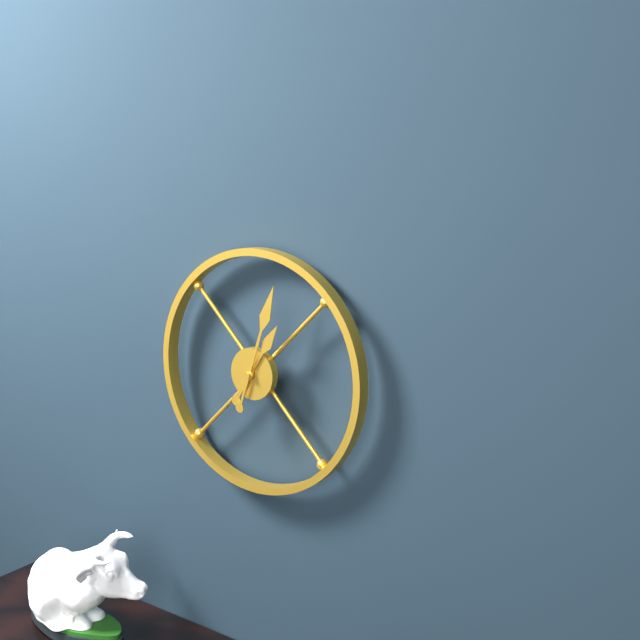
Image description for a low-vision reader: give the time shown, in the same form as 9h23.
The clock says 1h03
